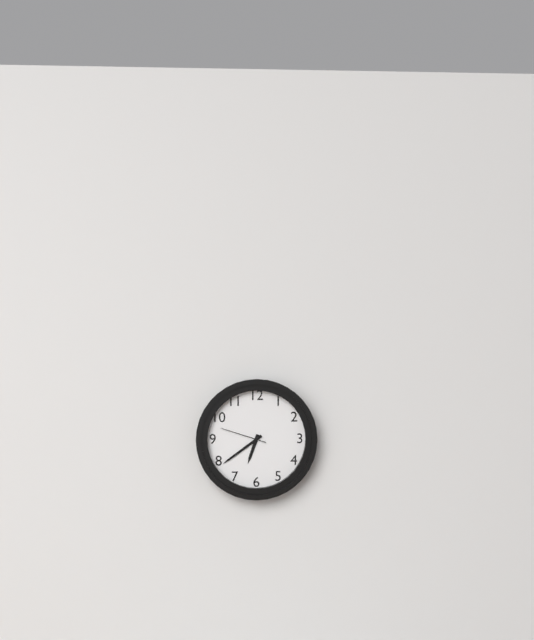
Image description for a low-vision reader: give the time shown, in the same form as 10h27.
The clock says 6h39
